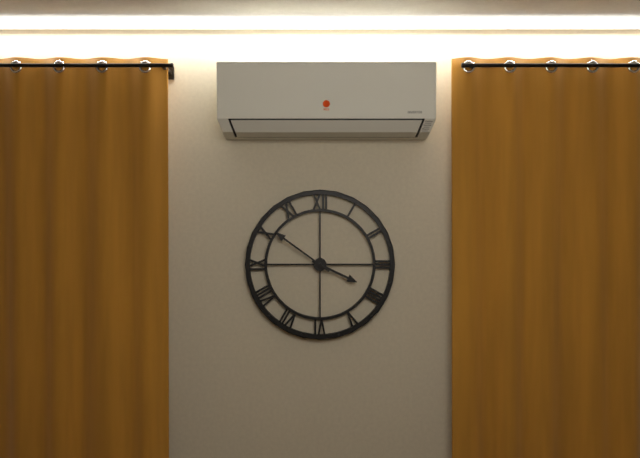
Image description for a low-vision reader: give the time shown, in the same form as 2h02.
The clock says 3h51
